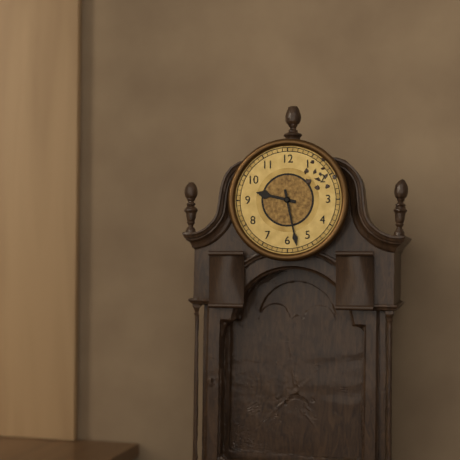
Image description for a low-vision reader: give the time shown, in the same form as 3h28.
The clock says 9h28
